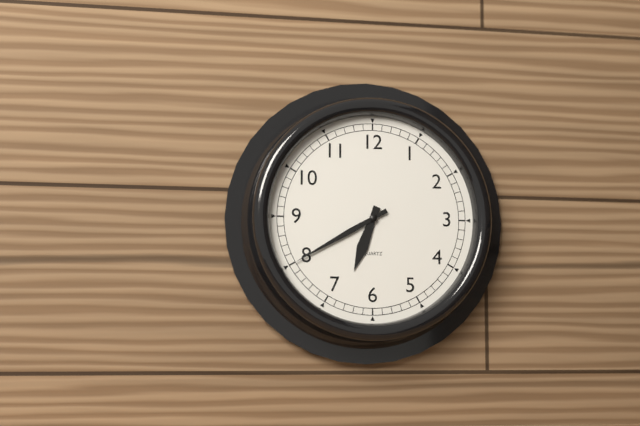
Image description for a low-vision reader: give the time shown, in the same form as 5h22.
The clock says 6h40
